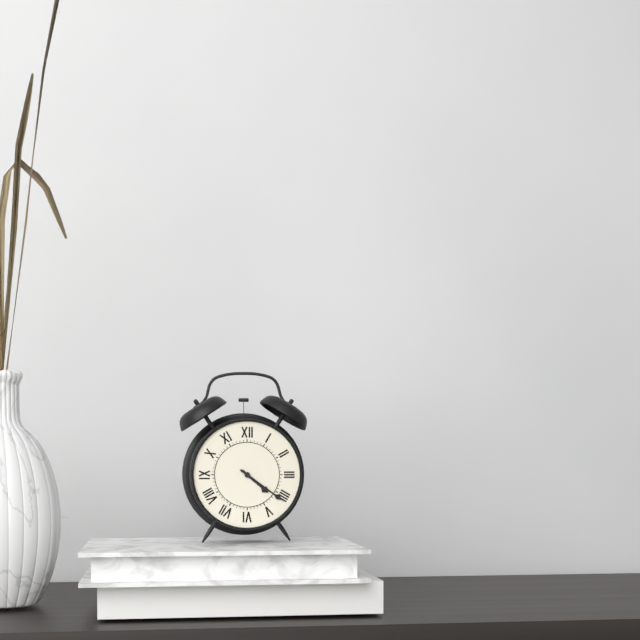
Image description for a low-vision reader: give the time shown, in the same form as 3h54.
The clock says 4h21
